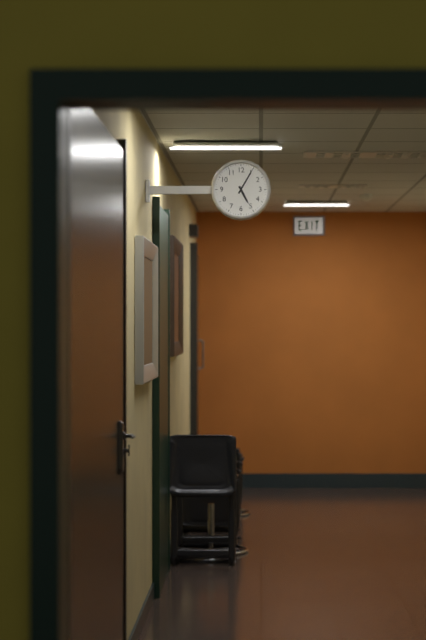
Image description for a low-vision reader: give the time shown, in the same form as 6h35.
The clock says 5h05
